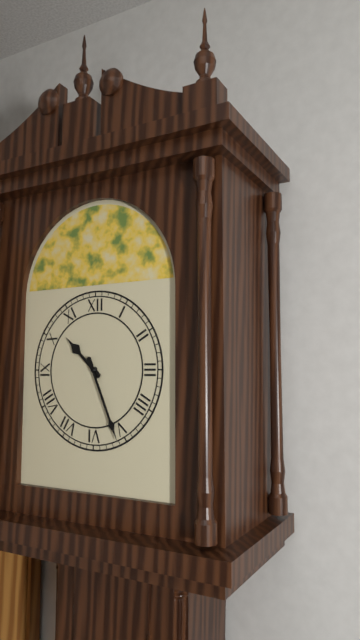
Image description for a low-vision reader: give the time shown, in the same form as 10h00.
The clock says 10h26
